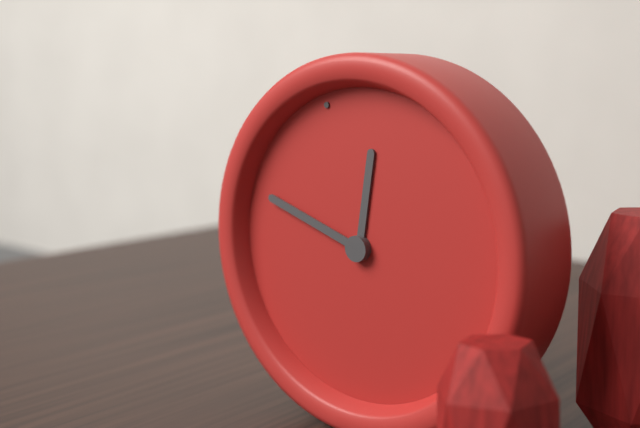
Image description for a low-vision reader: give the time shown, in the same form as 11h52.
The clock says 12h51
